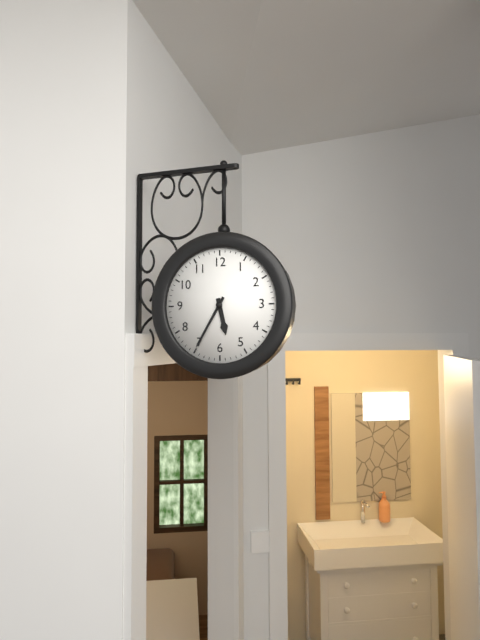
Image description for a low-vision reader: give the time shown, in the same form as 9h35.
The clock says 5h35
